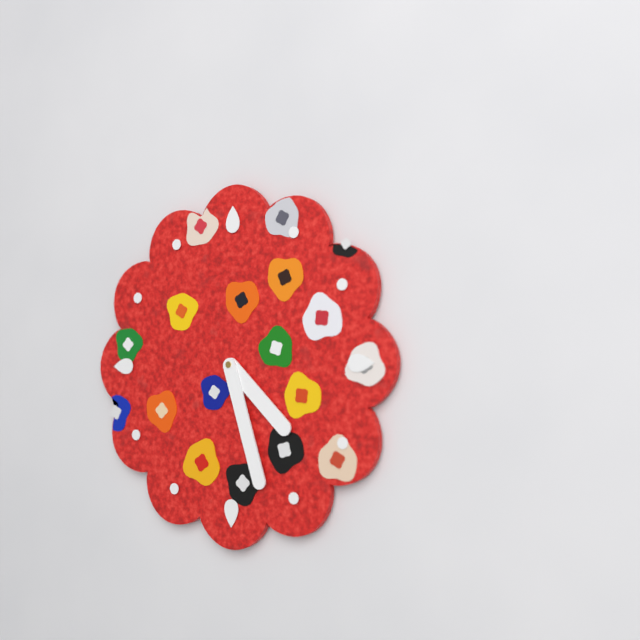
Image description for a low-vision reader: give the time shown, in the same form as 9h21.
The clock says 4h27
